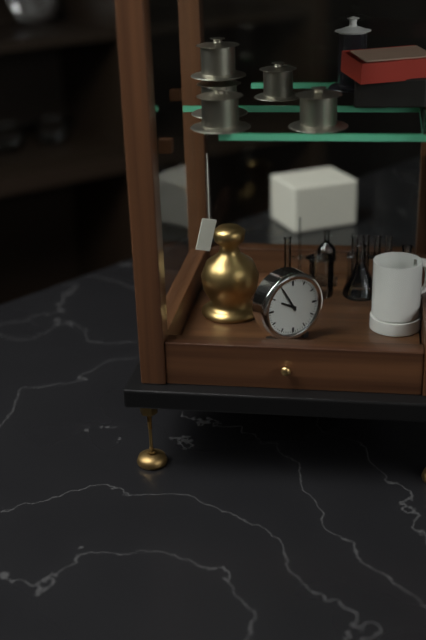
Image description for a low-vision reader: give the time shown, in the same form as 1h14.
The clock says 9h55
